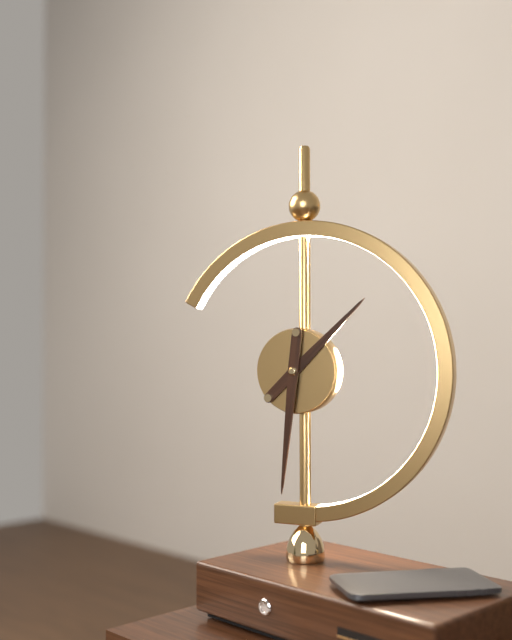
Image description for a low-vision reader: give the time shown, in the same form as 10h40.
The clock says 1h31
